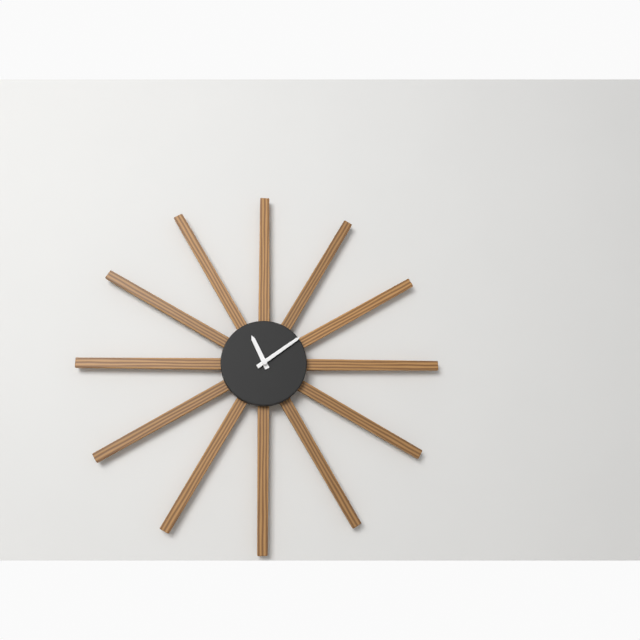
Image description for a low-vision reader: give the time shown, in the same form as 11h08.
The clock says 11h09
